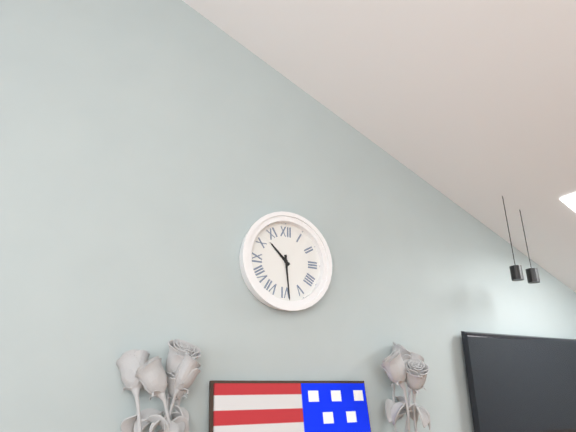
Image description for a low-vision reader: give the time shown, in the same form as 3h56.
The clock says 10h29
